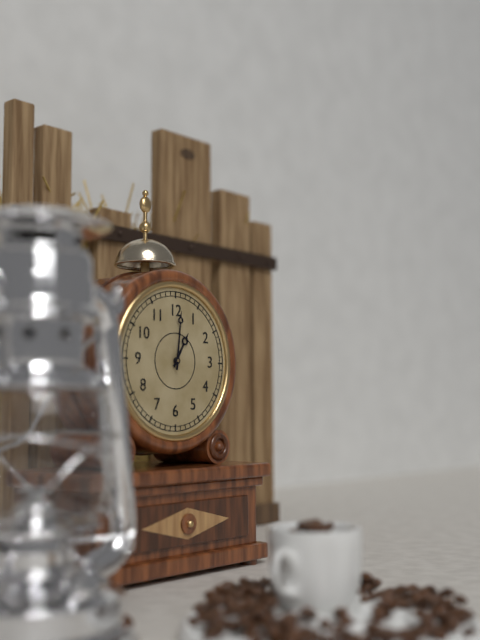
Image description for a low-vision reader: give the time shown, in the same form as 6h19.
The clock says 1h01
